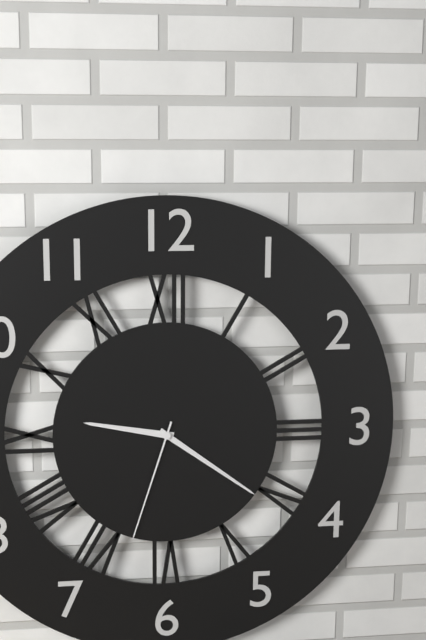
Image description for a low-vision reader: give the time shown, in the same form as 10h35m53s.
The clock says 9h21m33s
